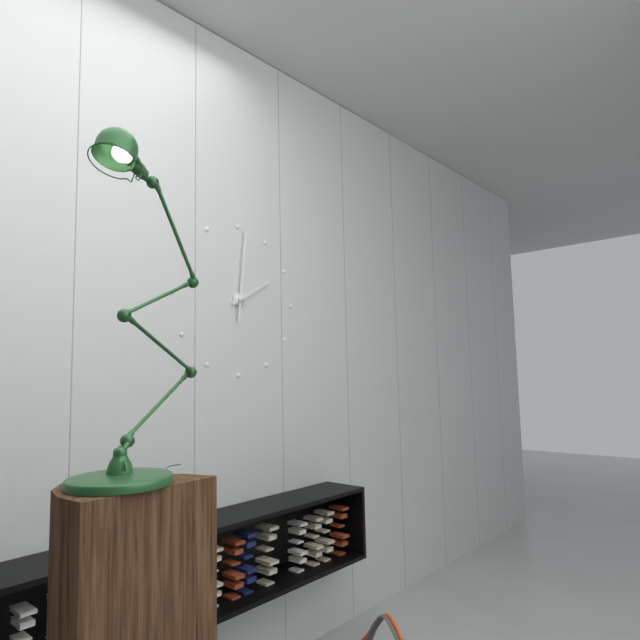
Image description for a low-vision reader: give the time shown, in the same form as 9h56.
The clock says 2h01
